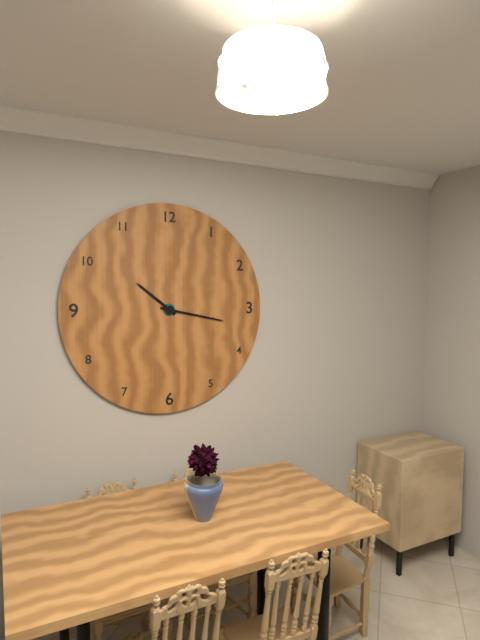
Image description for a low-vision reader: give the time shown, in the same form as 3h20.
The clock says 10h17
